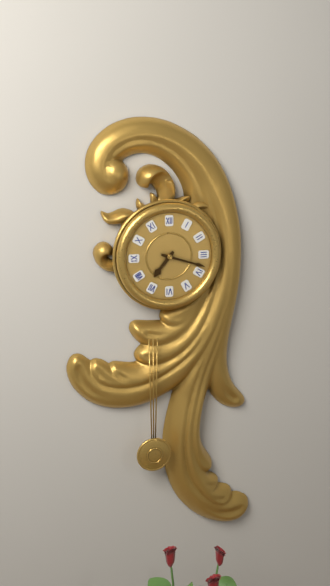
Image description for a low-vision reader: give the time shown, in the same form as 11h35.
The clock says 7h18
